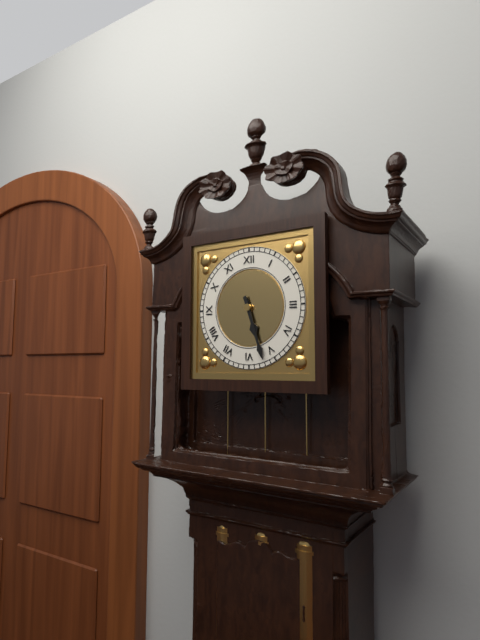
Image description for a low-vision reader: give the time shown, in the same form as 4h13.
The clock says 5h27
